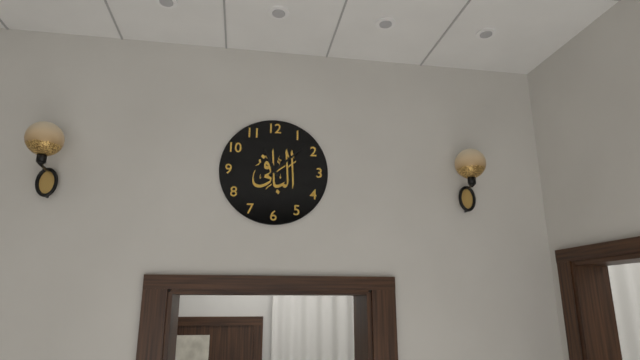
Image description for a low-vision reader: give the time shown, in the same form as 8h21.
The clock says 11h08
